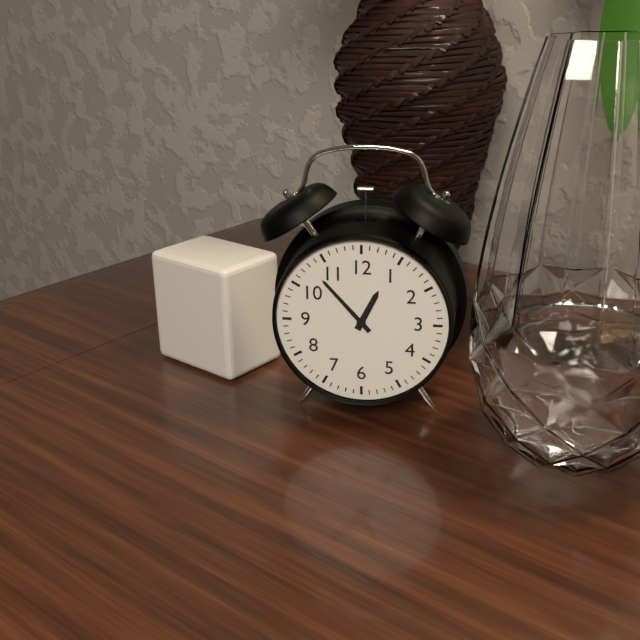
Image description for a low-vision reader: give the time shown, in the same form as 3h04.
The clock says 12h53
